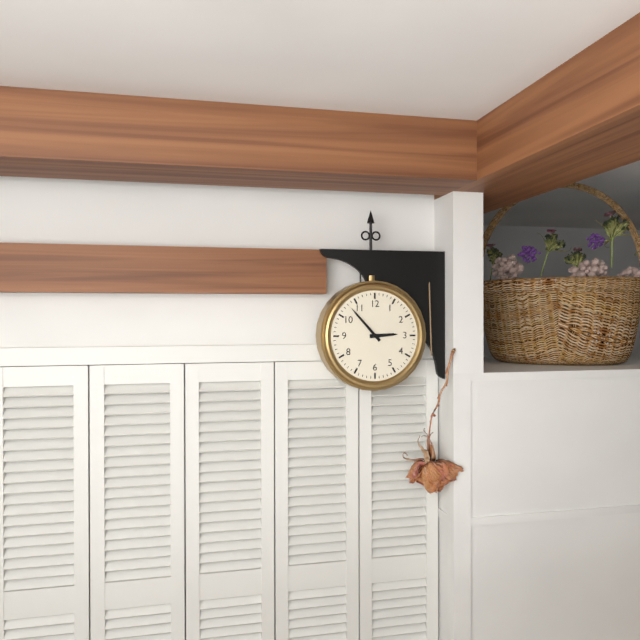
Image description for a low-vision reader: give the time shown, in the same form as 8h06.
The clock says 2h53
